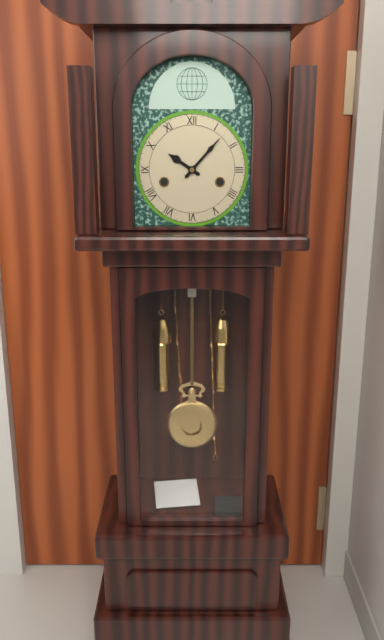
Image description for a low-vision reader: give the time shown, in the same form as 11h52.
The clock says 10h07
